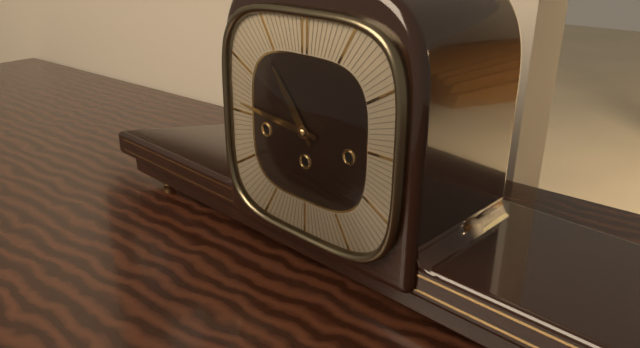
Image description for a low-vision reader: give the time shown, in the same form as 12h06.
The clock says 10h46
